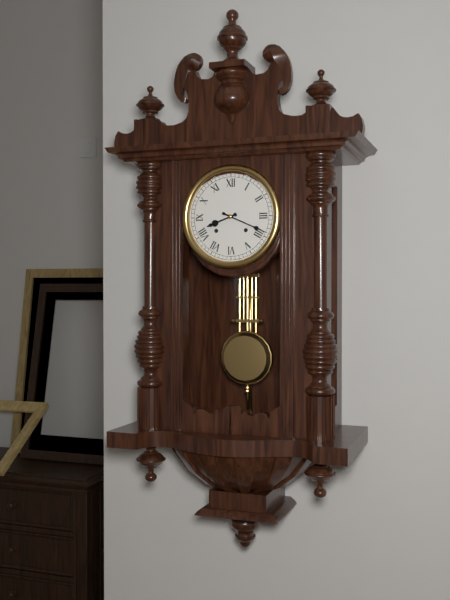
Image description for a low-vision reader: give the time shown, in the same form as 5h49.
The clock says 8h19
